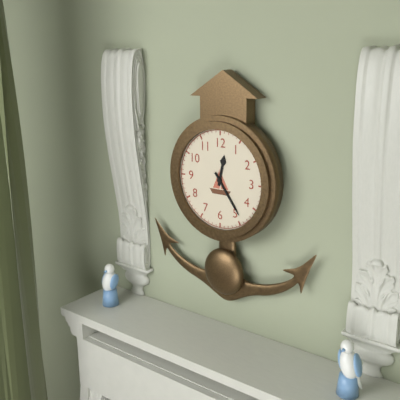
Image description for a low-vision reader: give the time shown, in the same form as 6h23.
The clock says 12h24
